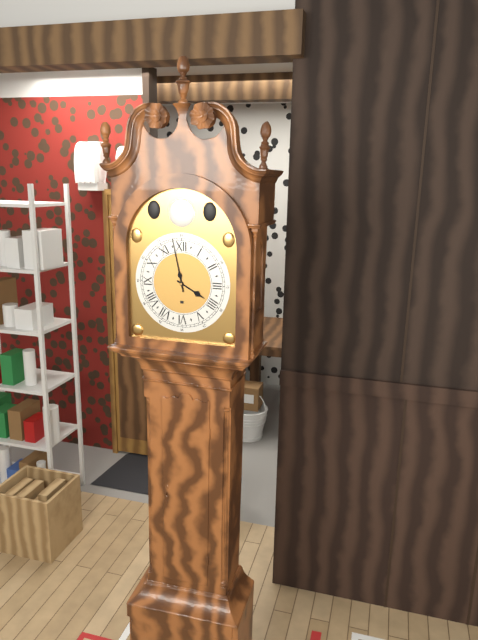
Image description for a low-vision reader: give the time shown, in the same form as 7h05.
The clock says 3h58
